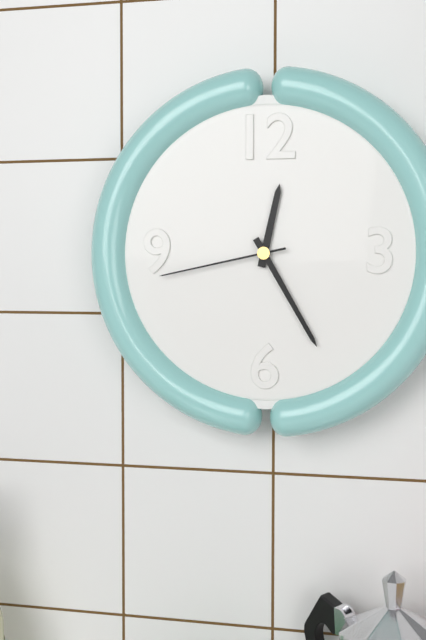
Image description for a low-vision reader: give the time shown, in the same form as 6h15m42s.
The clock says 12h25m43s
